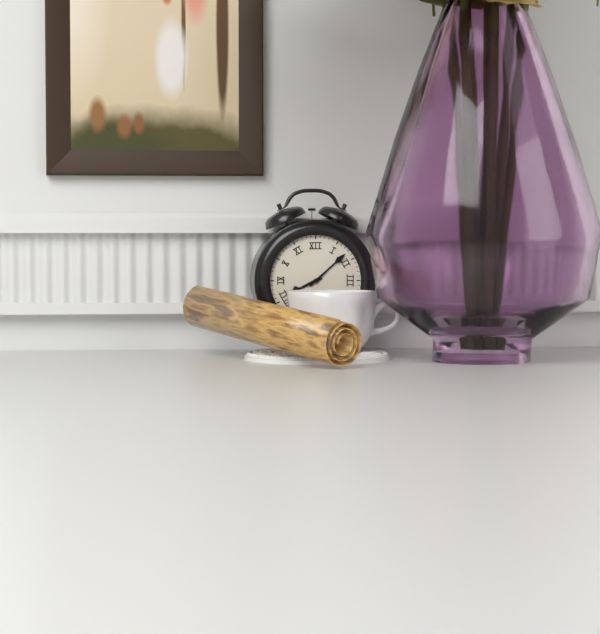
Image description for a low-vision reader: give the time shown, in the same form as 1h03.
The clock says 8h08
